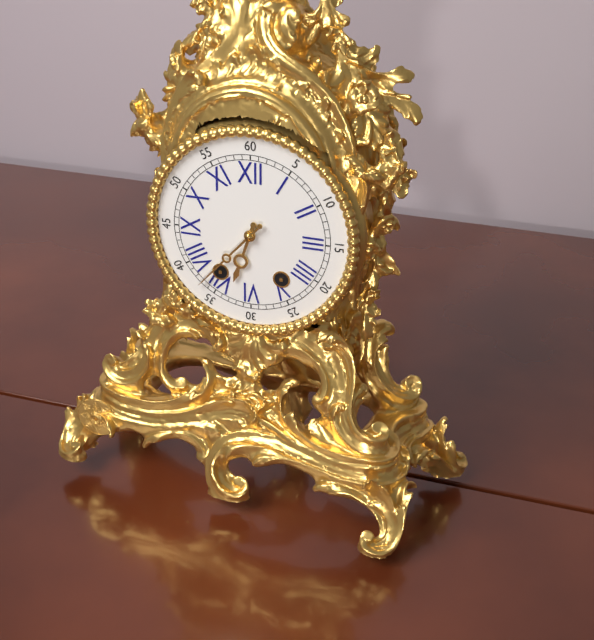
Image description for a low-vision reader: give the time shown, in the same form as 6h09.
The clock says 6h37
